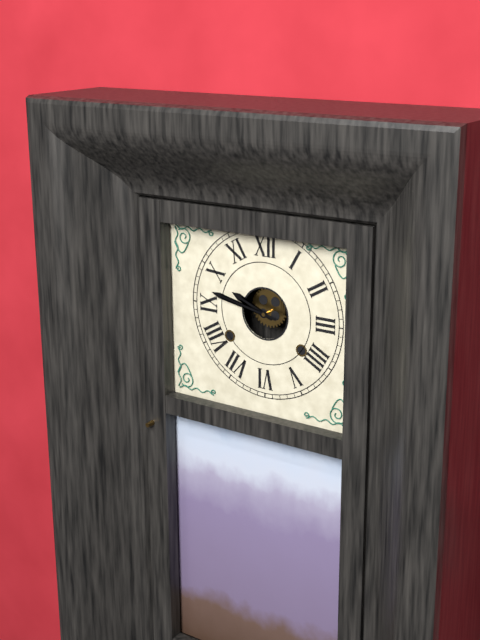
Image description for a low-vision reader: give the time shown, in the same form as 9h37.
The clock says 9h47
